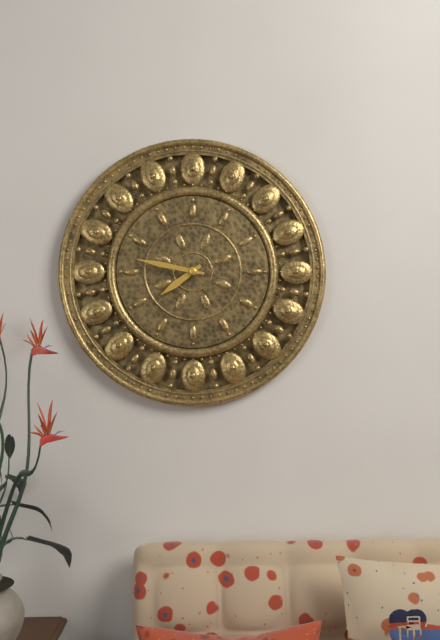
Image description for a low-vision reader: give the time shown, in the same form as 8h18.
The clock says 7h47
